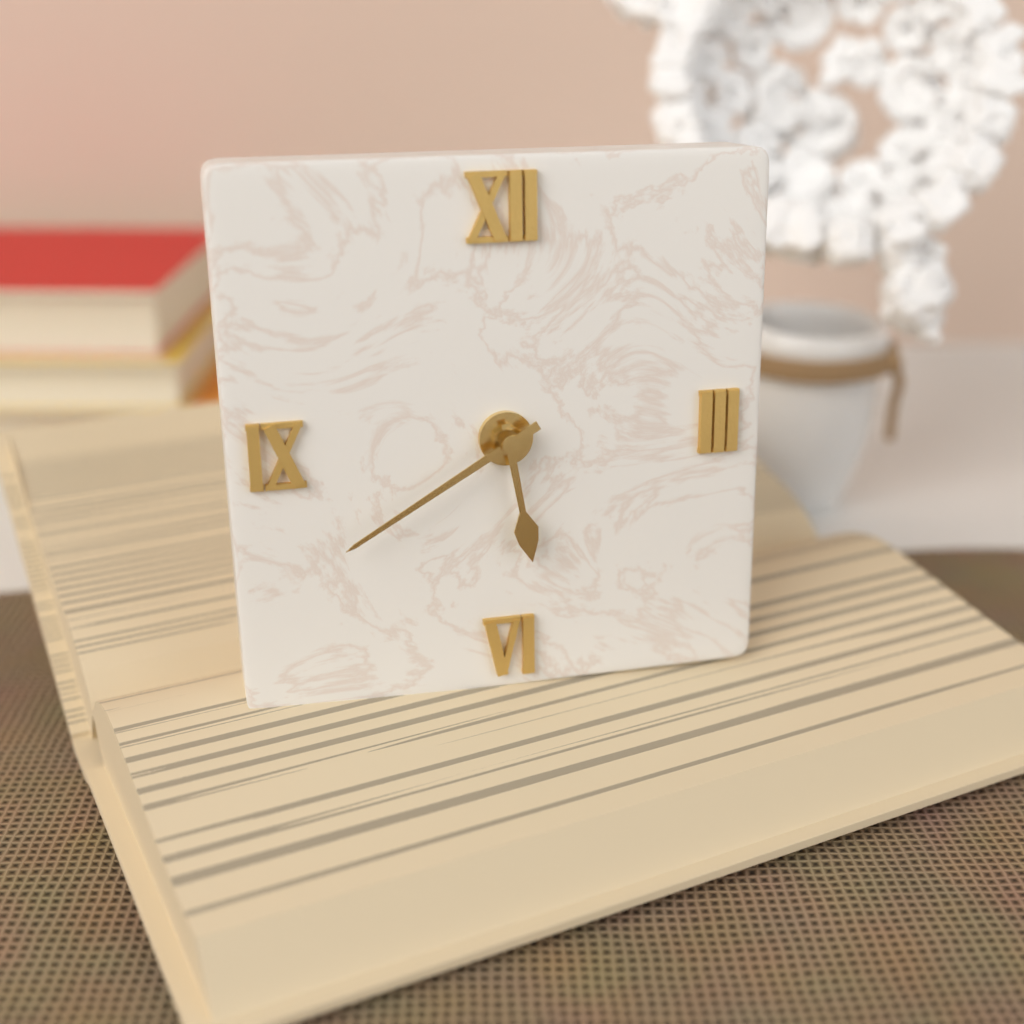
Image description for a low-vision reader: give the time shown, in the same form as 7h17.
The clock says 5h40
